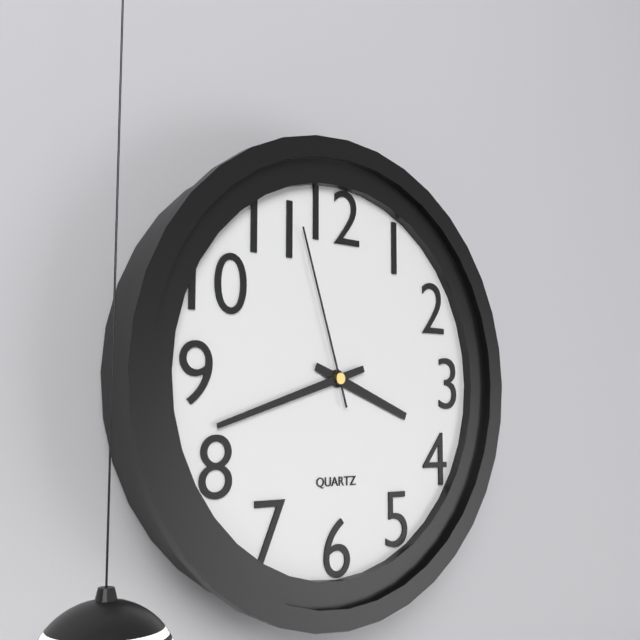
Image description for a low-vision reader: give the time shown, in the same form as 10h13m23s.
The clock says 3h42m57s
